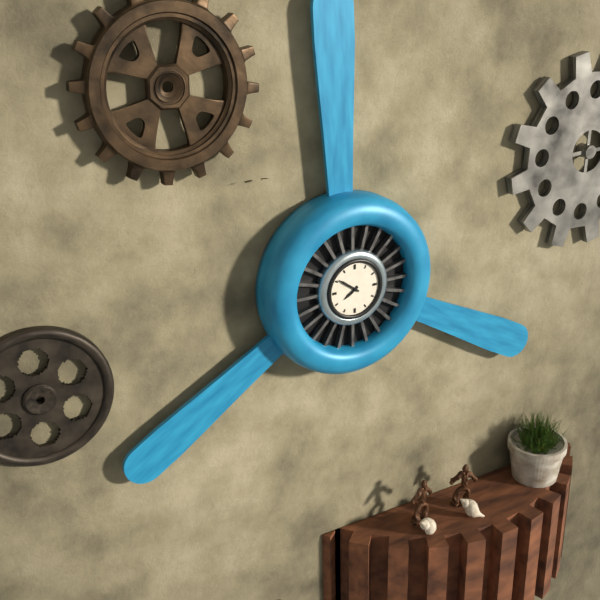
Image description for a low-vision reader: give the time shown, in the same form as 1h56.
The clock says 7h51
